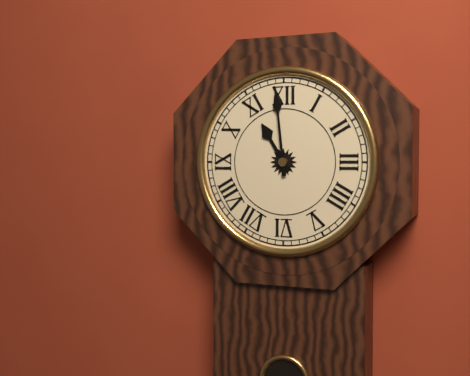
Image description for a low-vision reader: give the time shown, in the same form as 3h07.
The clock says 10h59
